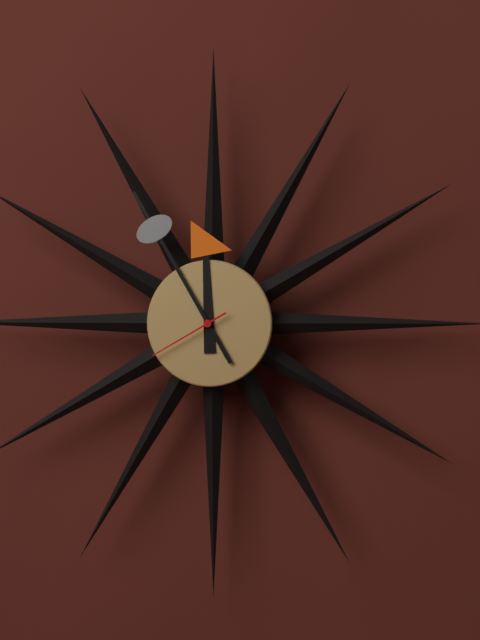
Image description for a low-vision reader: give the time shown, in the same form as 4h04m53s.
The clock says 11h55m40s
